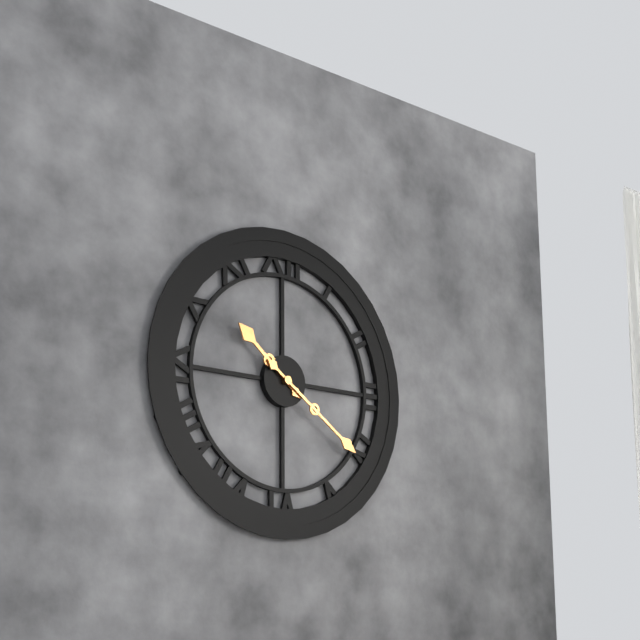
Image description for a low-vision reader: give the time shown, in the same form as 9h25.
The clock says 10h21
